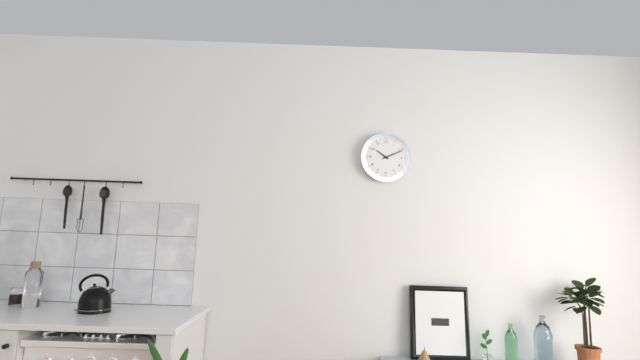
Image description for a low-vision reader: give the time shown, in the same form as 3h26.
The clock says 10h11
